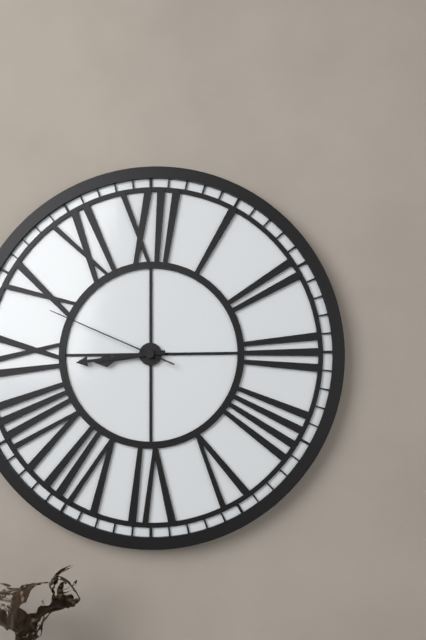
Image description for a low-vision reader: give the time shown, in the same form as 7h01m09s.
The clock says 8h44m49s
